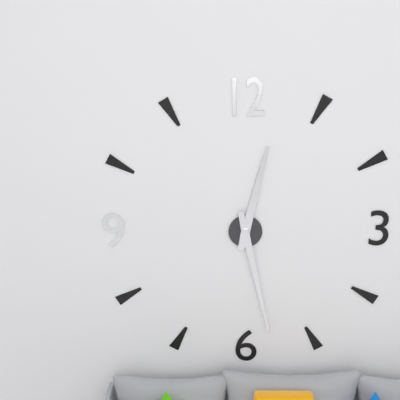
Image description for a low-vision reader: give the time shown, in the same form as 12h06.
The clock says 12h28
